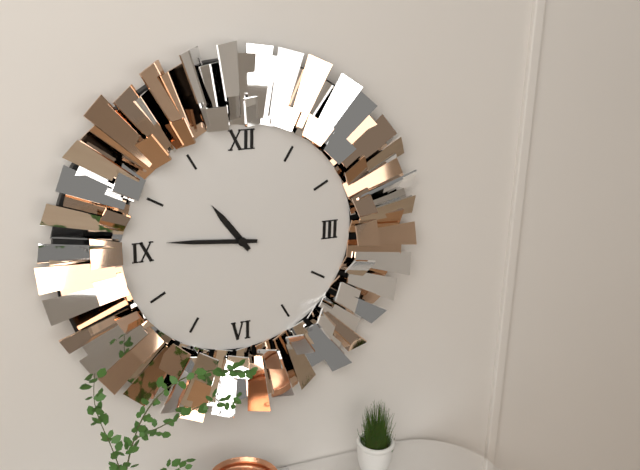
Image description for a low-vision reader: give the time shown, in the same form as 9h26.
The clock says 10h46
